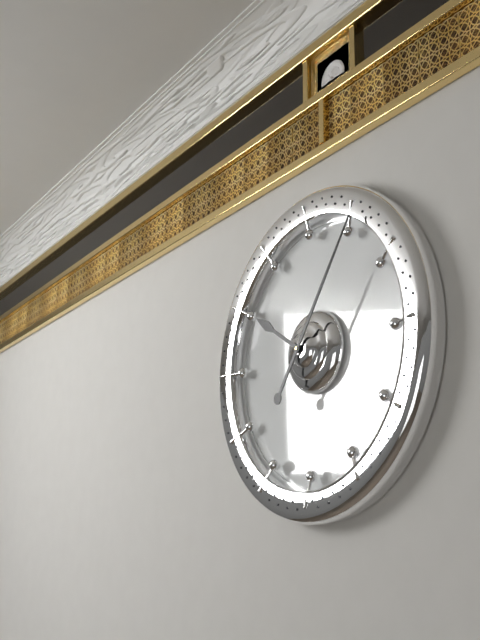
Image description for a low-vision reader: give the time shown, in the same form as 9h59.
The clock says 10h06
